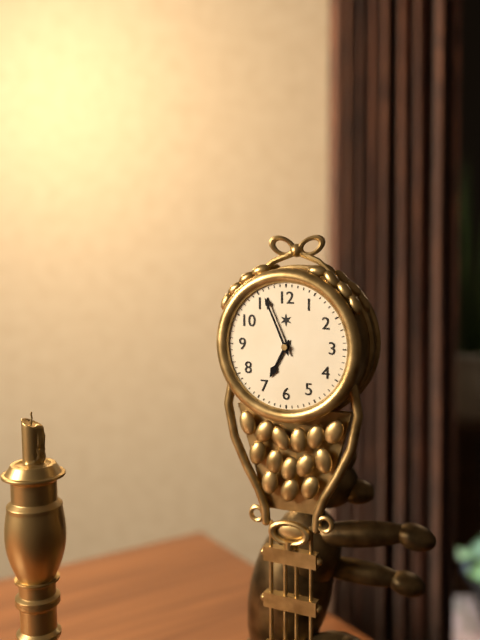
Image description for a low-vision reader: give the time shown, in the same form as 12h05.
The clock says 6h56
